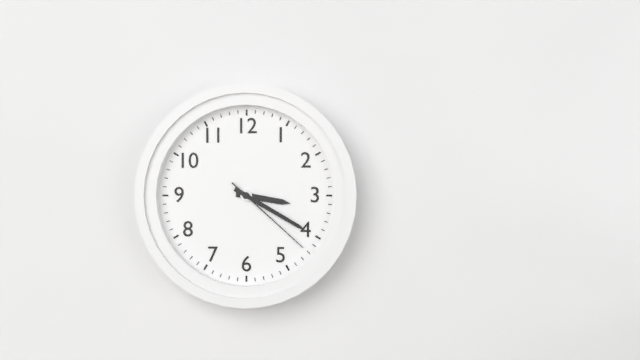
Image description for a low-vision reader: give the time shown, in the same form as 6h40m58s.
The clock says 3h20m22s
